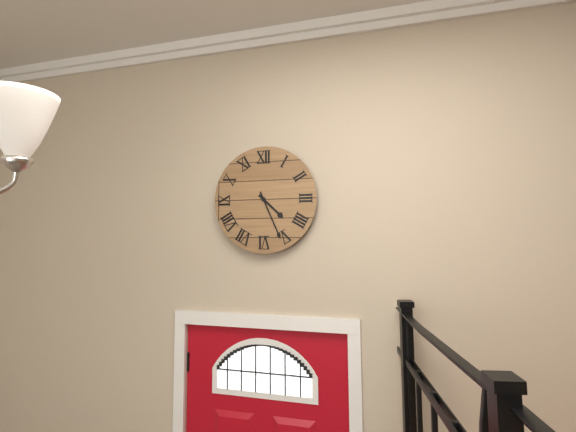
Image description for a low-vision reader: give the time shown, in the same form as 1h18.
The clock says 4h26
